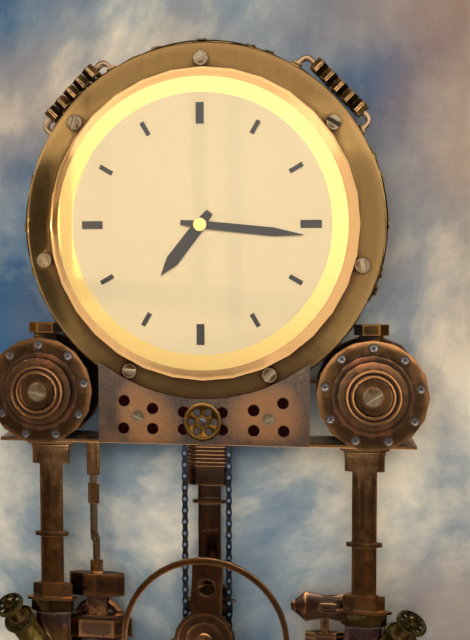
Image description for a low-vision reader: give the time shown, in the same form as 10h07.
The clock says 7h16
